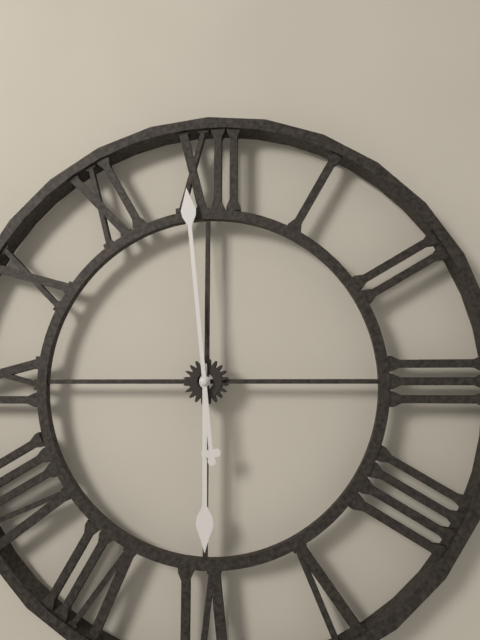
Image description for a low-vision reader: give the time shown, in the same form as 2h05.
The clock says 5h59
